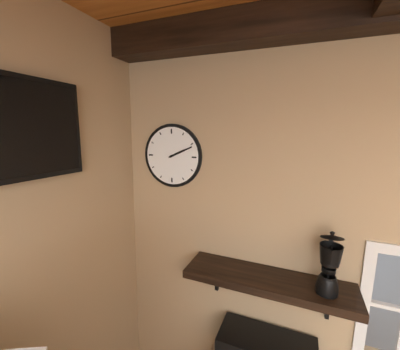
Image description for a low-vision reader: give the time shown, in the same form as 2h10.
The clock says 2h11
